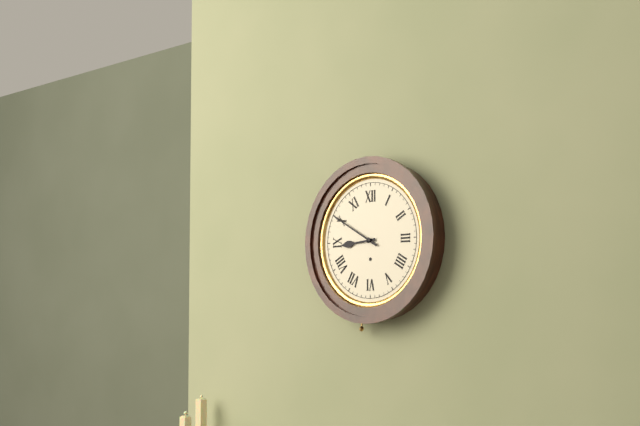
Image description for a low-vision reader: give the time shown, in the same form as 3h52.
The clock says 8h50
